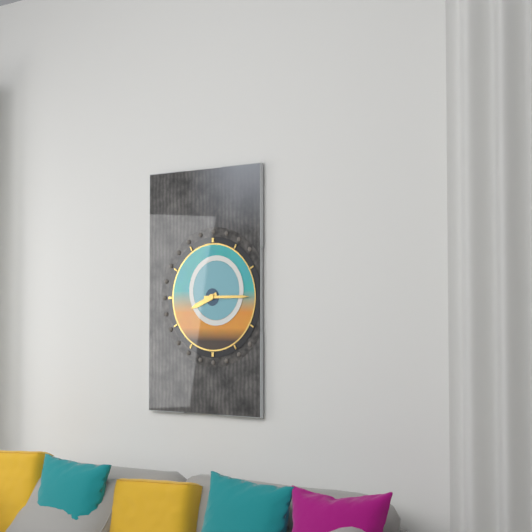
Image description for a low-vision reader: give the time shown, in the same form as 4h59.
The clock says 8h15
